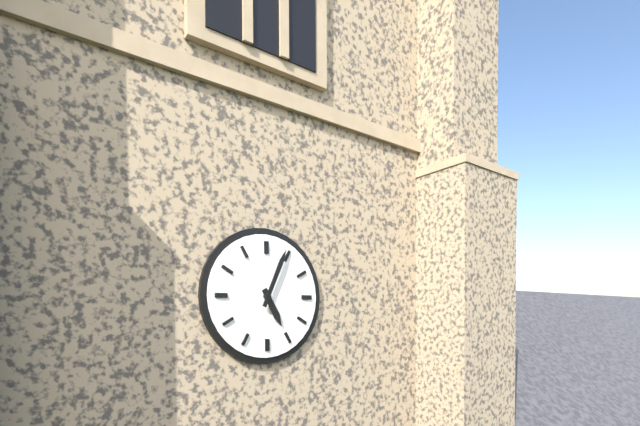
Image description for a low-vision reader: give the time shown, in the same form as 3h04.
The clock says 5h04
